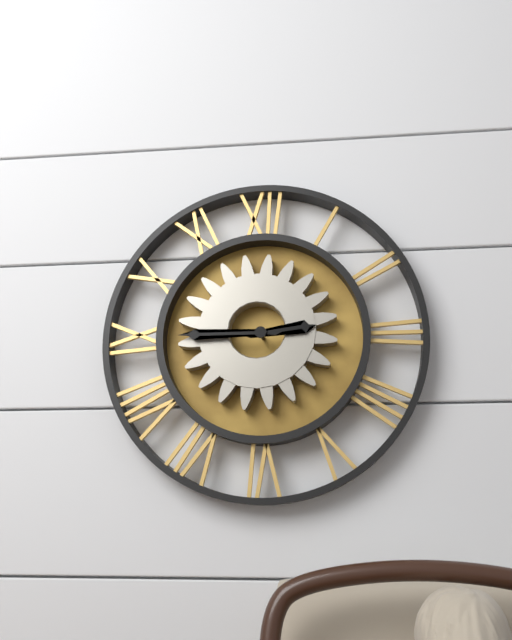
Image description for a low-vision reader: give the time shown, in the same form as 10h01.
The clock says 2h45
